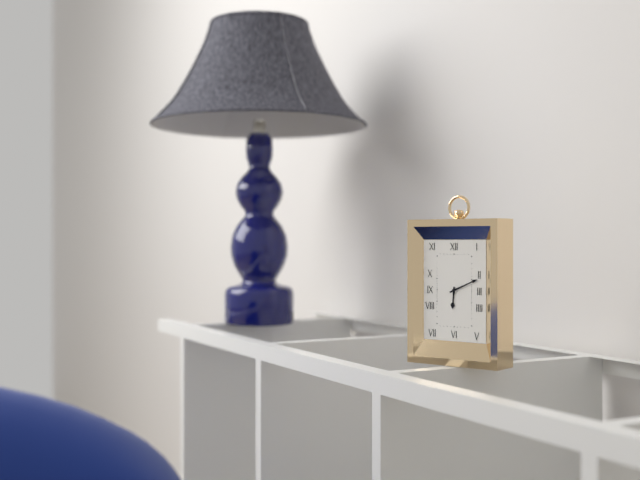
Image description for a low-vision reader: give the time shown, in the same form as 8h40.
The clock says 6h11
